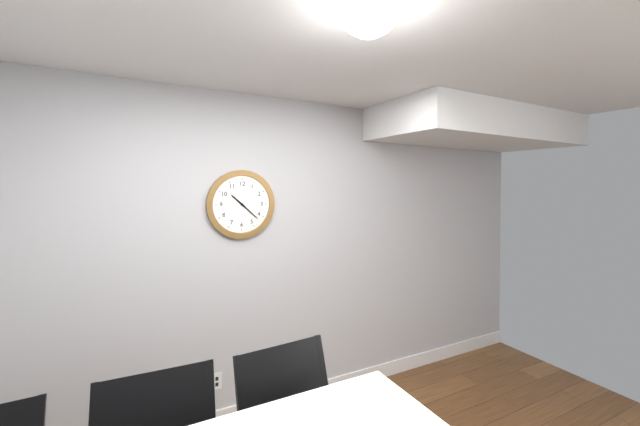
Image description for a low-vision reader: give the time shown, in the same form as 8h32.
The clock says 10h22
